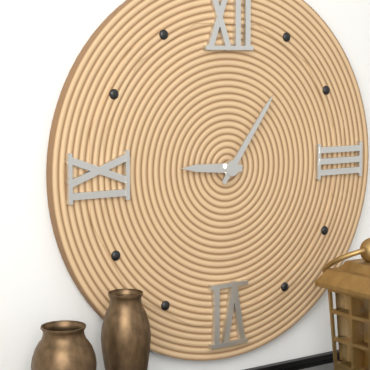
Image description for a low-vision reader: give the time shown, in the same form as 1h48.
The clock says 9h06
